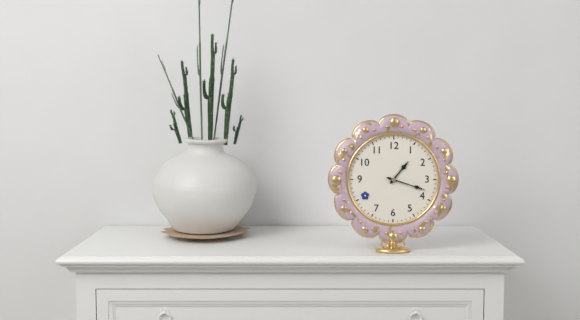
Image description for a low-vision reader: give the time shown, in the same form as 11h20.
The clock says 1h18
